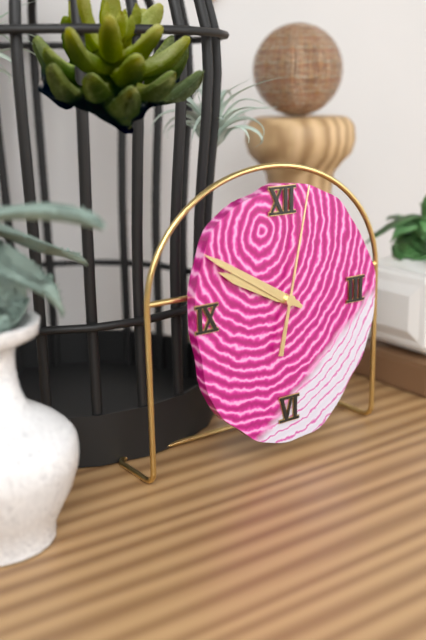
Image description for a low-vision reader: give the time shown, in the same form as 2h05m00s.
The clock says 9h50m02s
